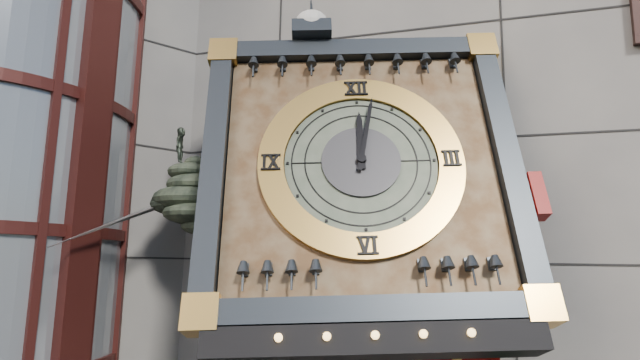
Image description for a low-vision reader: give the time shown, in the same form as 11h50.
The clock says 12h02
